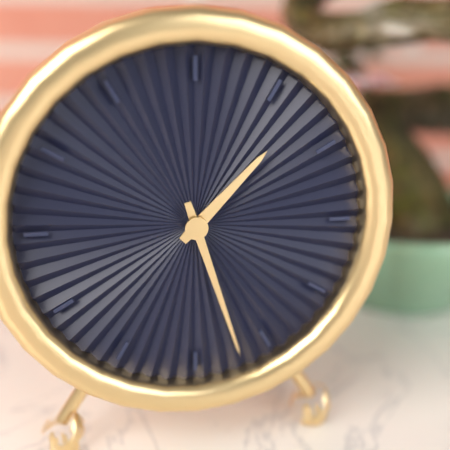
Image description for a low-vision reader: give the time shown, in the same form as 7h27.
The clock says 1h27
